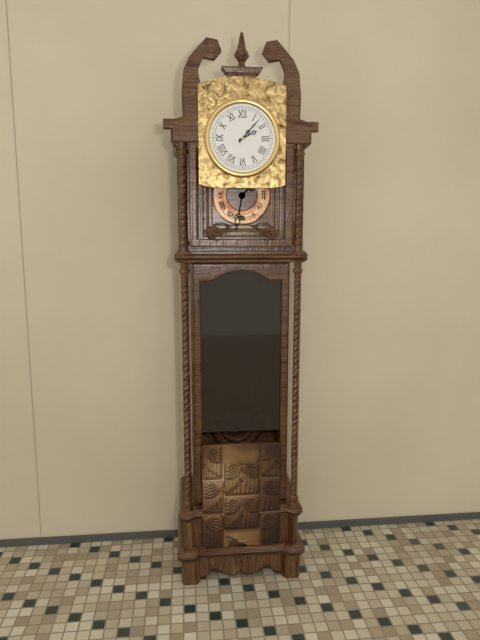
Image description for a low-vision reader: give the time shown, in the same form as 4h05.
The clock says 2h07
